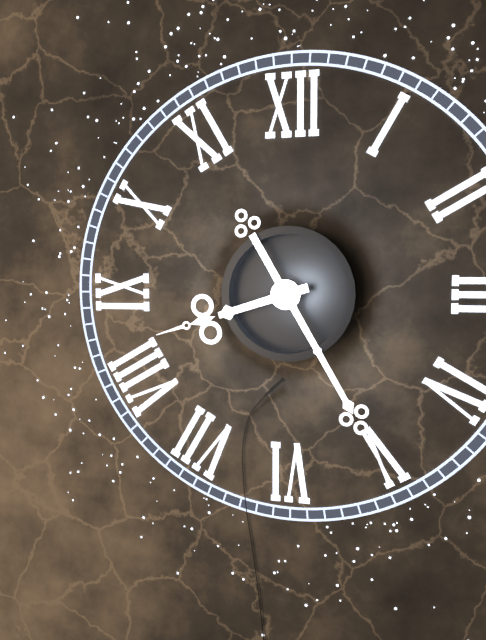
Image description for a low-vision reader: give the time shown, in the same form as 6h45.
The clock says 8h25
